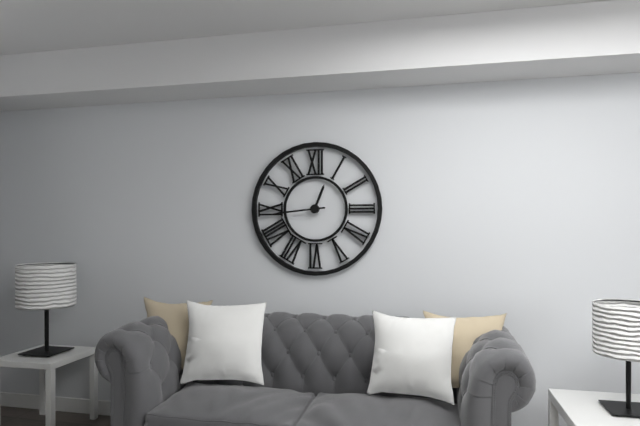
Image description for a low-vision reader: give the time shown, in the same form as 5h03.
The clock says 12h44
